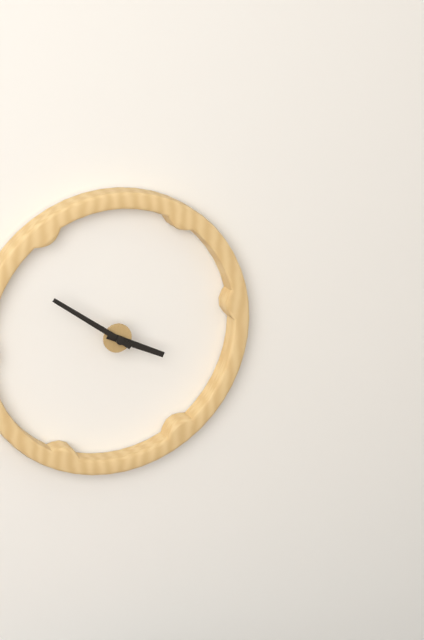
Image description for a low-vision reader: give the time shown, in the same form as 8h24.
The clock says 3h51
